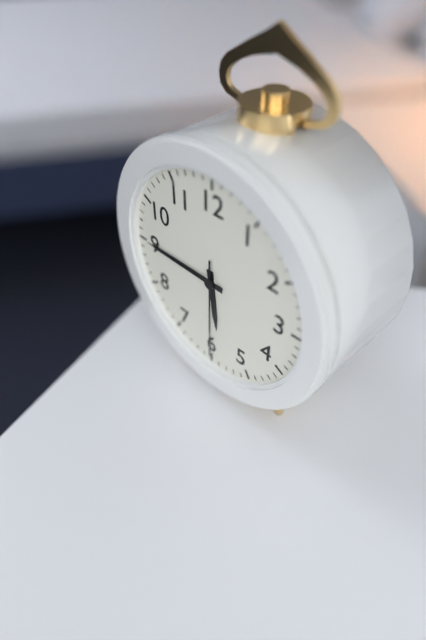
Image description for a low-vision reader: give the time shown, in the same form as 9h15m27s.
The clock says 5h45m30s
